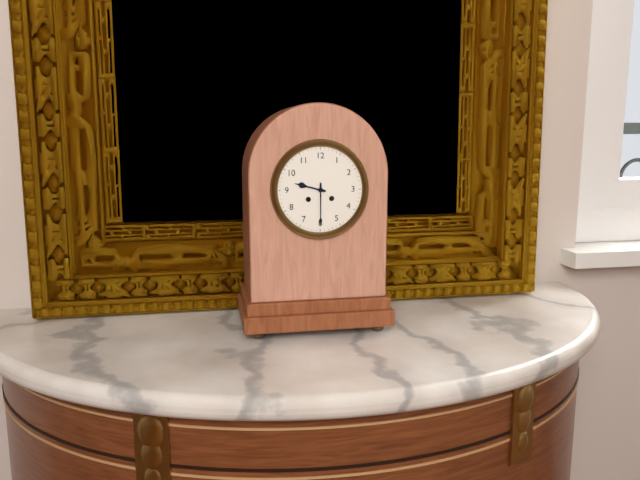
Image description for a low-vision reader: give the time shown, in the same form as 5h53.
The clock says 9h30
